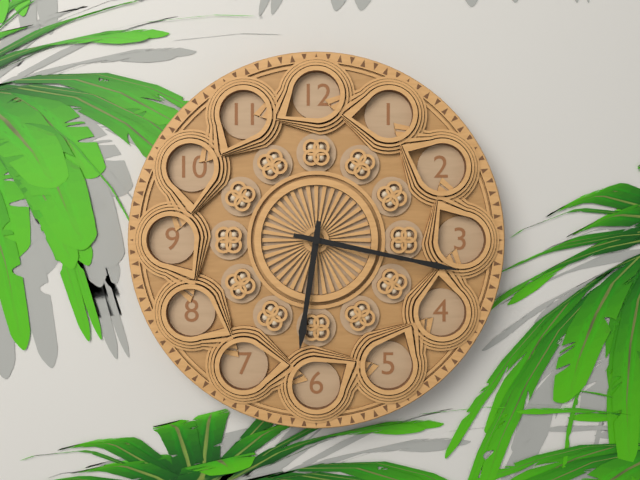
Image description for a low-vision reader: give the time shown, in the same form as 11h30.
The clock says 6h17
